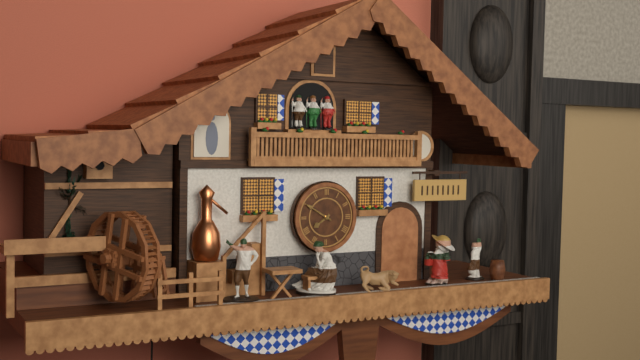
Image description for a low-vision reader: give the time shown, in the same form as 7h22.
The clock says 7h50
